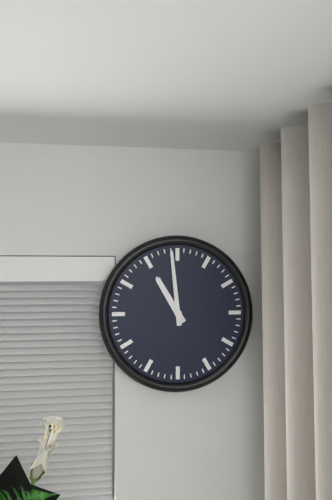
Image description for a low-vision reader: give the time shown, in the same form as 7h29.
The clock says 10h59
